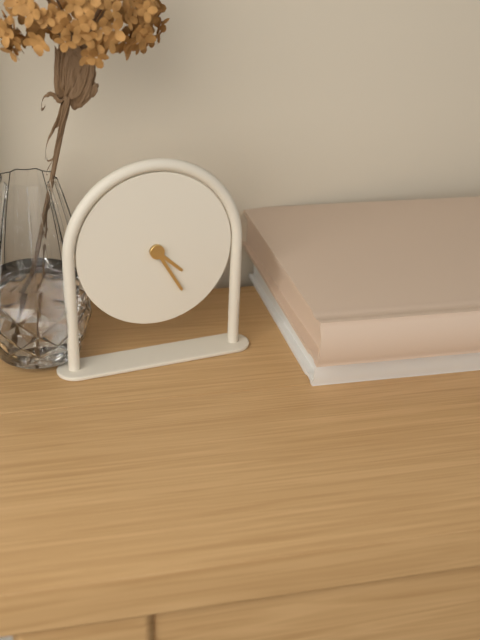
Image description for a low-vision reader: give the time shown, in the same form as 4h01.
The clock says 4h25
